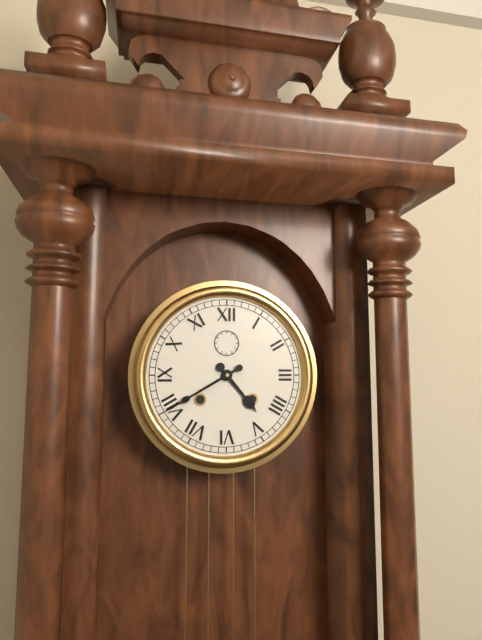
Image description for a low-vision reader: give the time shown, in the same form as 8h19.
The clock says 4h40
